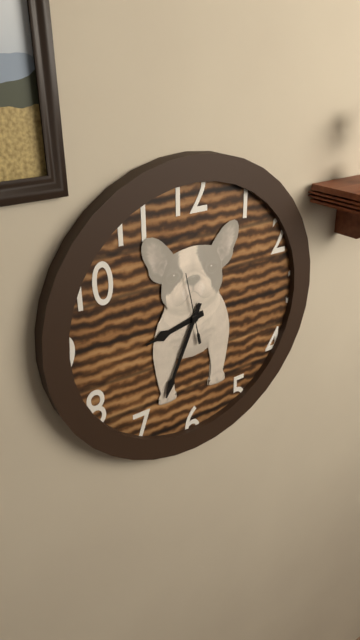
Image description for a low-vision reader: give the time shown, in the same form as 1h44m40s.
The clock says 8h34m58s
